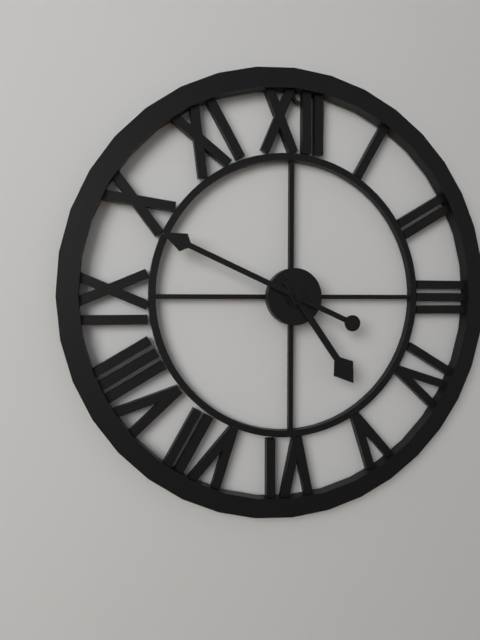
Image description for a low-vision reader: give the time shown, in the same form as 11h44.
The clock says 4h49
